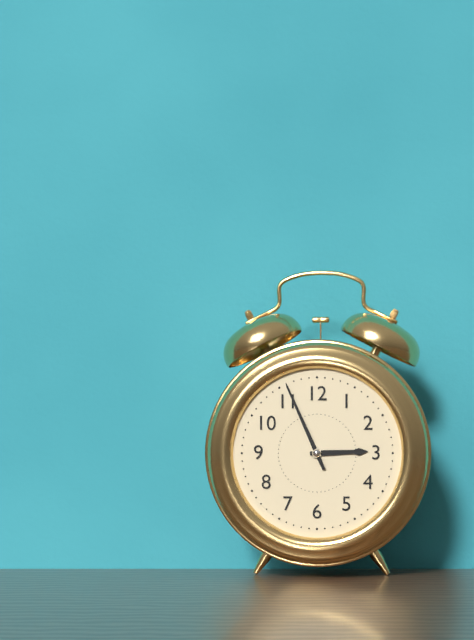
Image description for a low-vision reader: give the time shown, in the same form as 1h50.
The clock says 2h56
